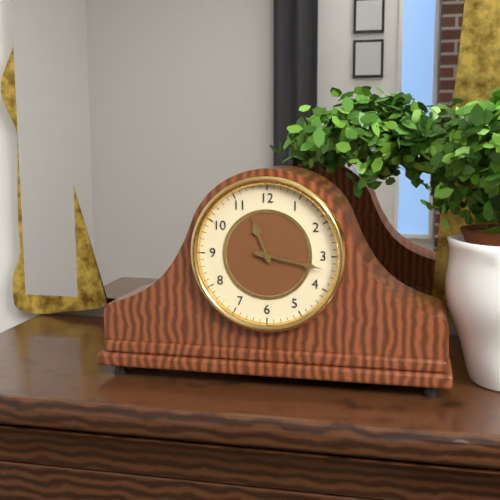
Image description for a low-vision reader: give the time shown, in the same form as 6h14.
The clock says 11h17
